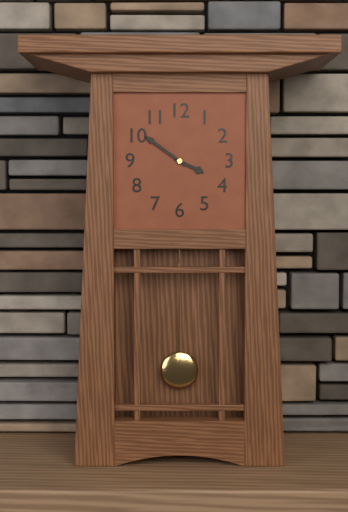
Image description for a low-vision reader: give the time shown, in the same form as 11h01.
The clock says 3h51
